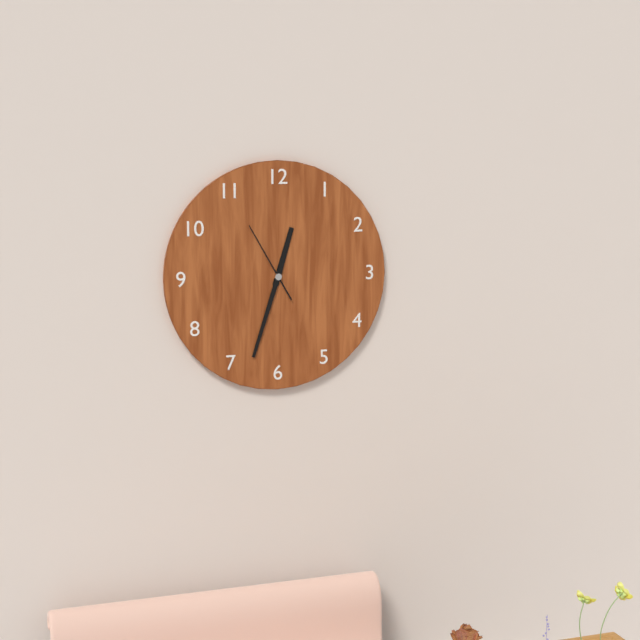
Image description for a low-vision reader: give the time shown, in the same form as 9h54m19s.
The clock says 12h33m55s
